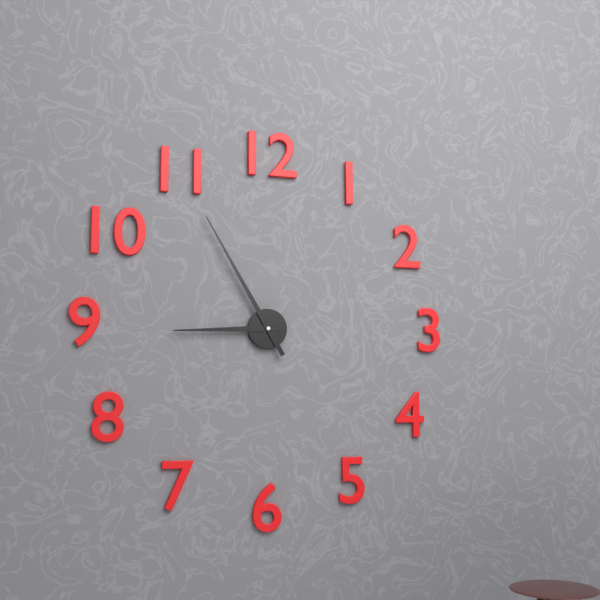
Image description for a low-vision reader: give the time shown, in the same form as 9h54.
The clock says 8h55
